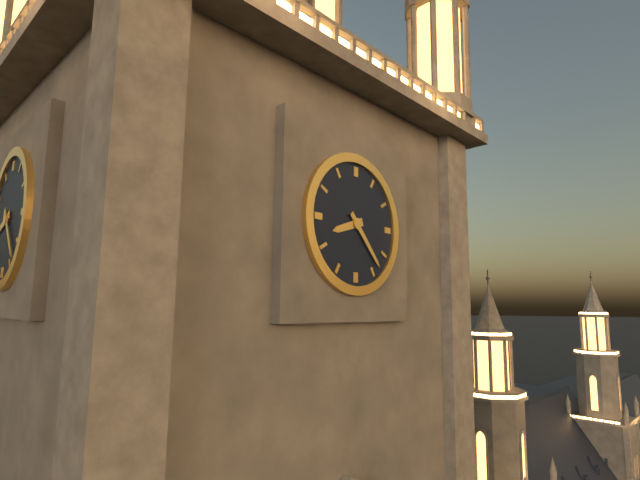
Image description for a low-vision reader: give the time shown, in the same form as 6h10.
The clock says 8h23
